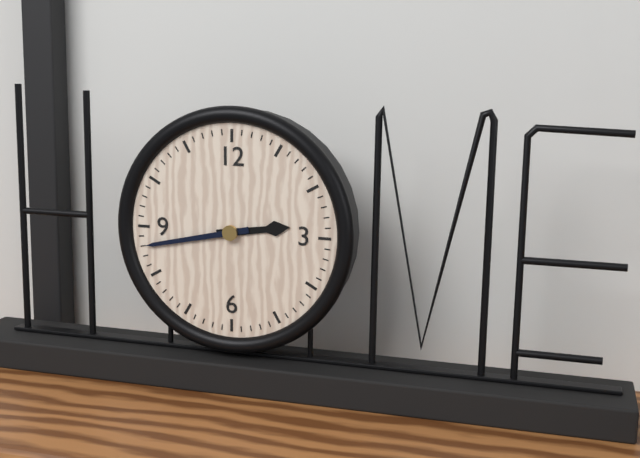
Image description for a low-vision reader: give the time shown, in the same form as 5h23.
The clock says 2h43
